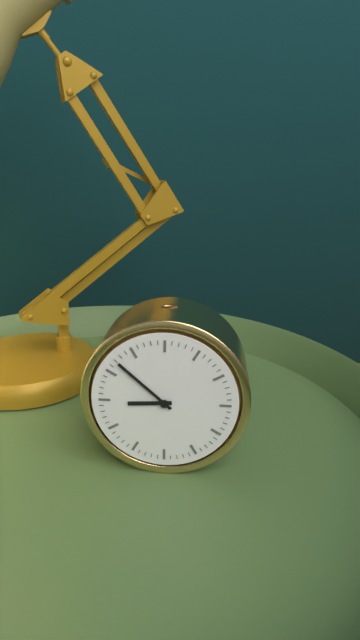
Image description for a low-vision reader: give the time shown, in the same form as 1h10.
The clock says 8h52
